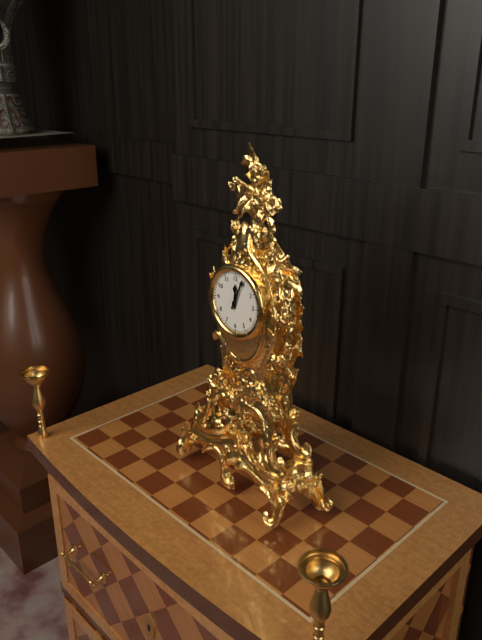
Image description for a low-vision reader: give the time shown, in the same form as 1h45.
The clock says 12h04
